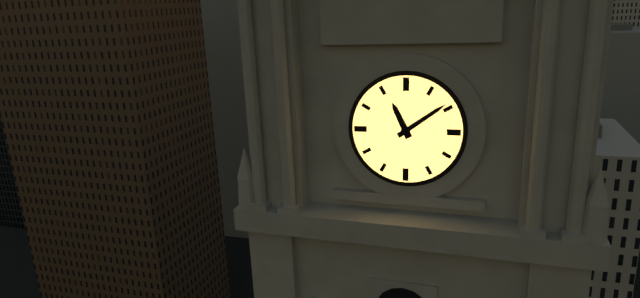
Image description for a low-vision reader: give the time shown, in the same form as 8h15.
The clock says 11h09
